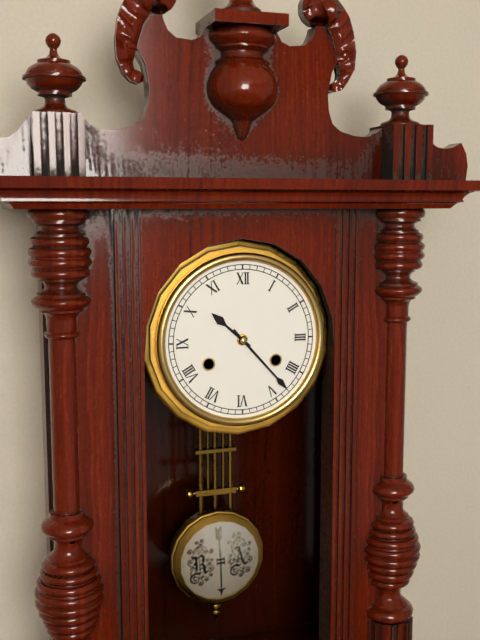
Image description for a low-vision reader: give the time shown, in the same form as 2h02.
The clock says 10h23
